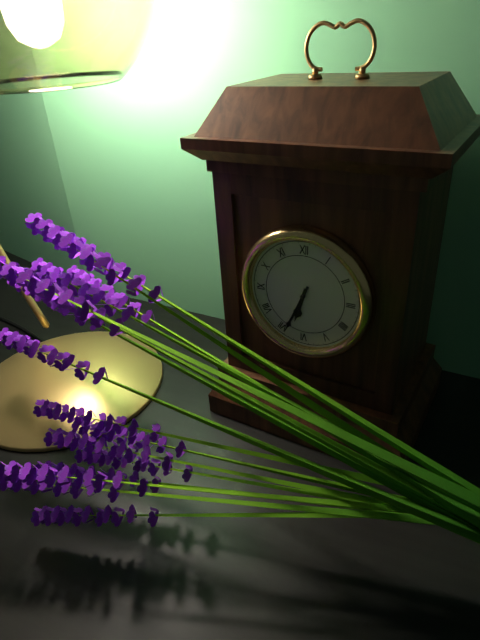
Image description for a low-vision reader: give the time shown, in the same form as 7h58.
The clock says 6h34
